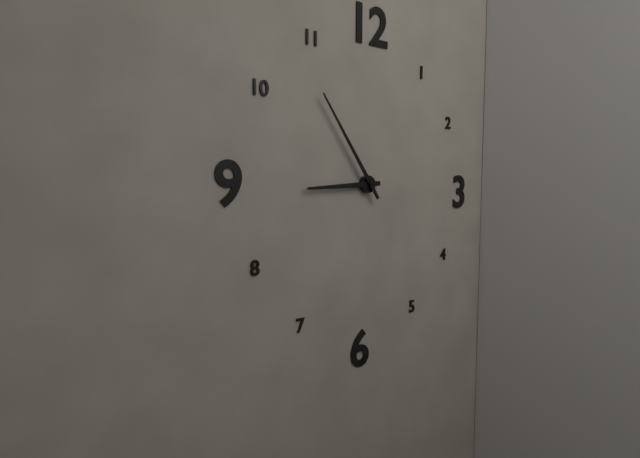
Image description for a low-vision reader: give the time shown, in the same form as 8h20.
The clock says 8h54
